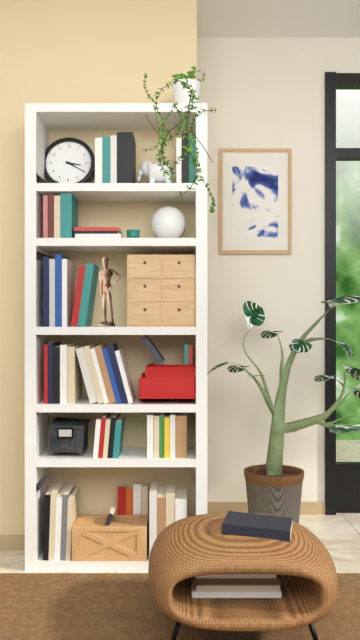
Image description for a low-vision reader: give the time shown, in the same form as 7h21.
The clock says 3h20
